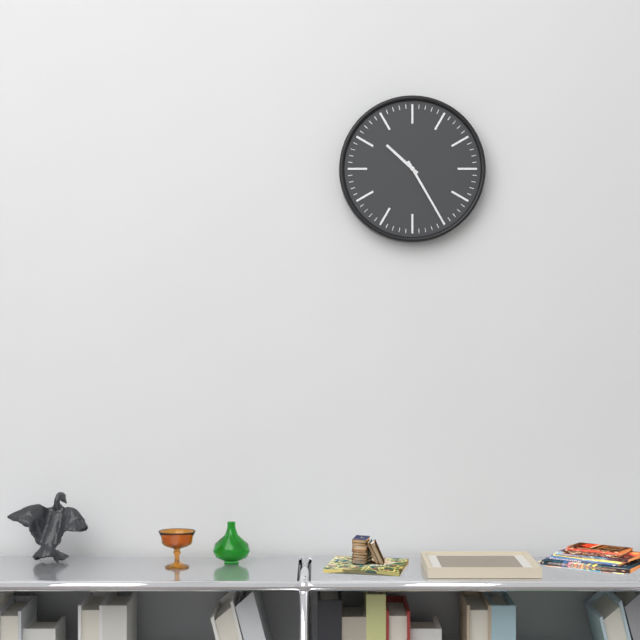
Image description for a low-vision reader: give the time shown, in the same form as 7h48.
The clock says 10h25
